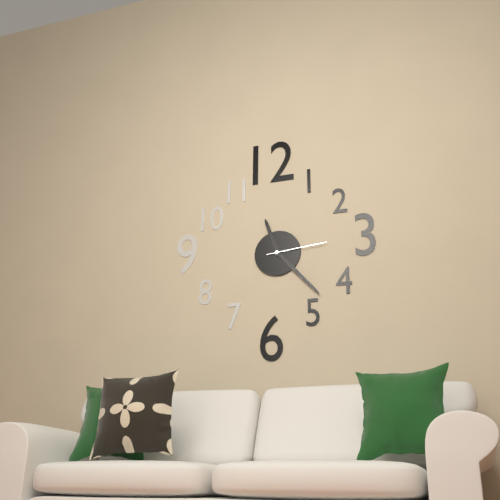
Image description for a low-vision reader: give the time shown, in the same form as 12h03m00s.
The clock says 11h23m14s
